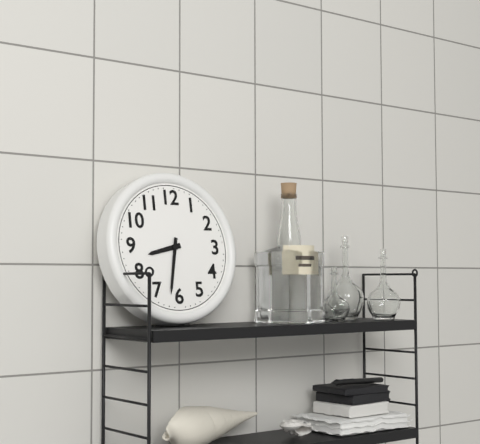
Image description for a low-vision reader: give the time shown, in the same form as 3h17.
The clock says 8h32
